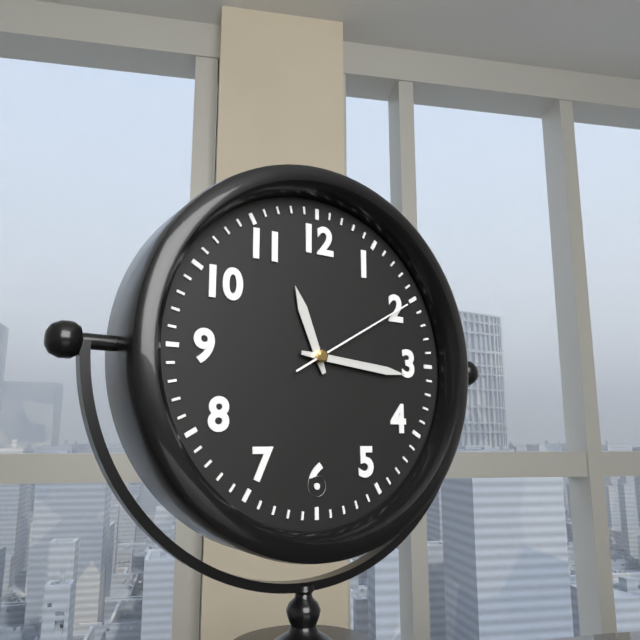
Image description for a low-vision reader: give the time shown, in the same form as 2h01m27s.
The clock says 11h16m10s
